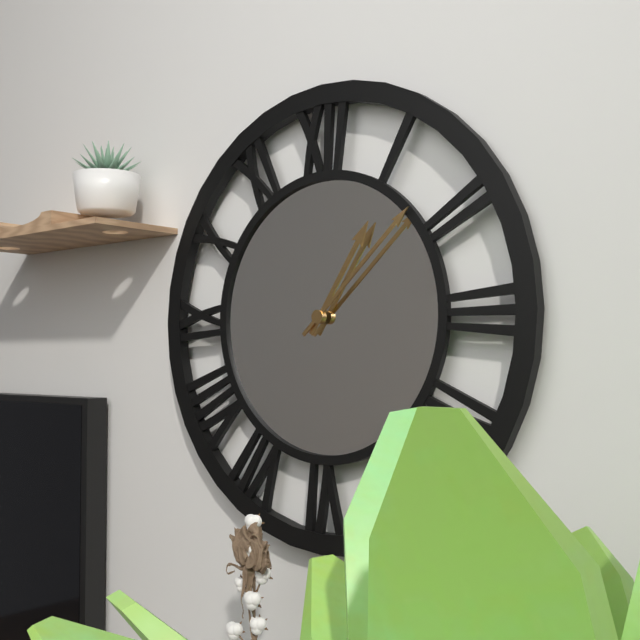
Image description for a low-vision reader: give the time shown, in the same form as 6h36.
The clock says 1h08
